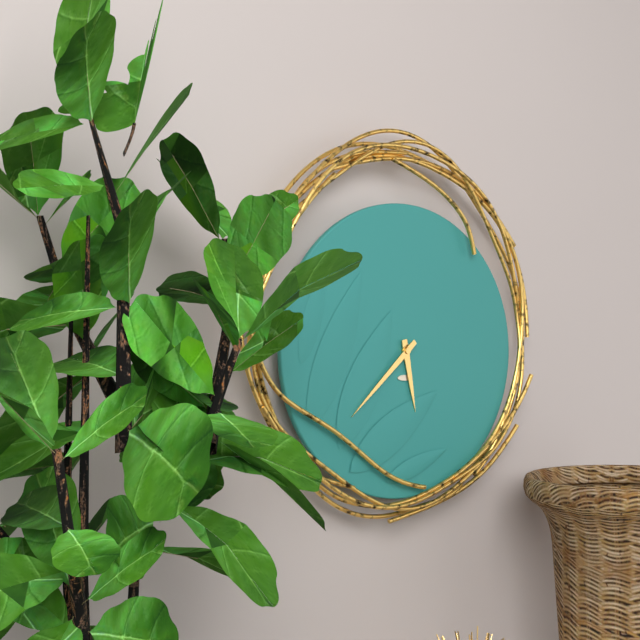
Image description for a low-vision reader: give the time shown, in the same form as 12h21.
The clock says 5h38
